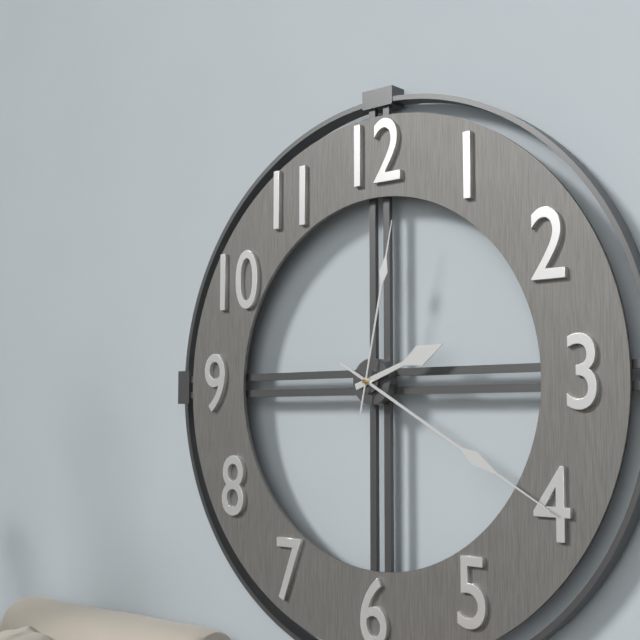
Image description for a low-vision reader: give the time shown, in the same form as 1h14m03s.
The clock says 2h20m02s
